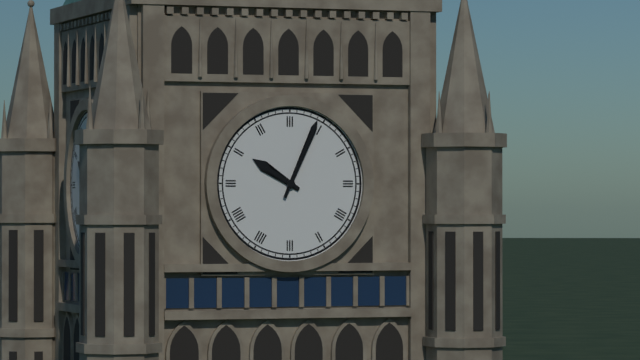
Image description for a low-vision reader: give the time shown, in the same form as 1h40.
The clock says 10h04
